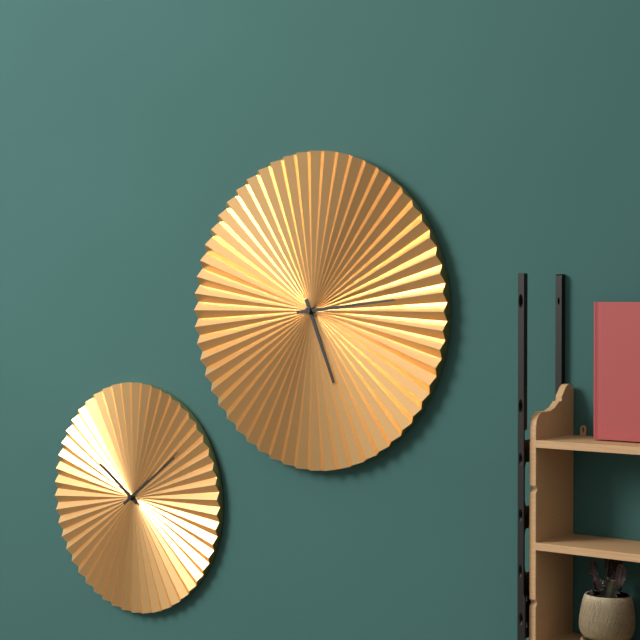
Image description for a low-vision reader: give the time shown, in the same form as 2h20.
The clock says 5h14
